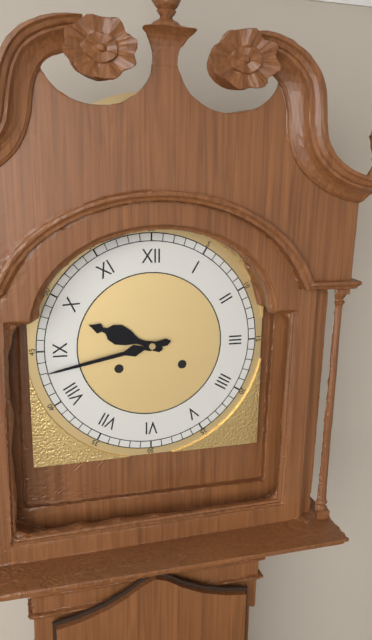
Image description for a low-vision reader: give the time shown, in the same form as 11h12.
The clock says 9h43
